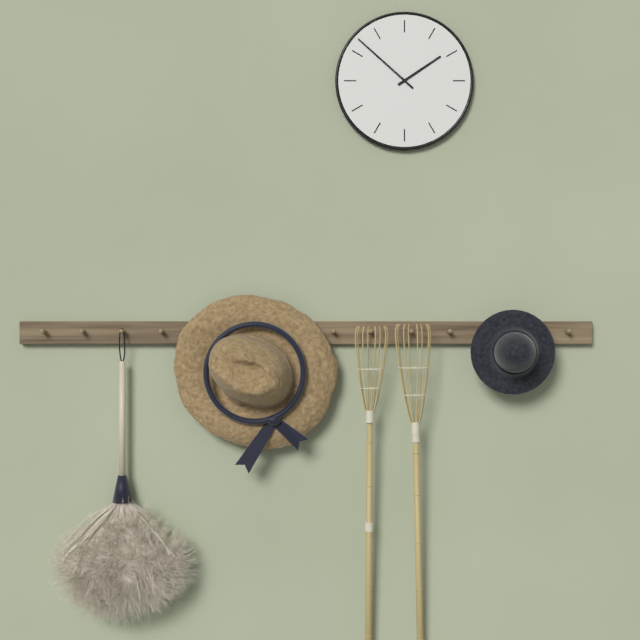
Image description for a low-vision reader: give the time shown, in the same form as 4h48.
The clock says 1h52
